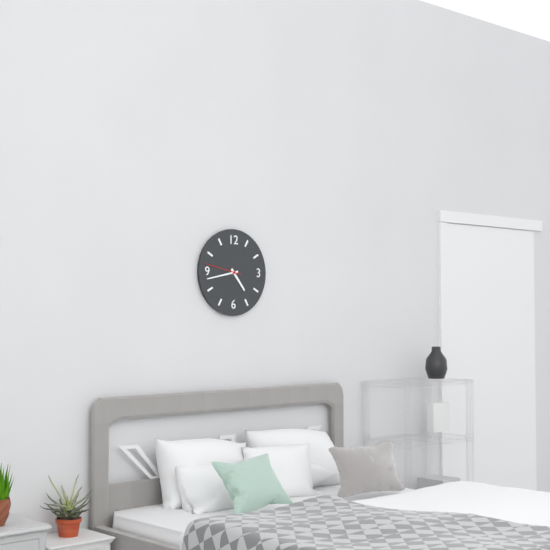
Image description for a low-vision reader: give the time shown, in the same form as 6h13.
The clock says 4h43
